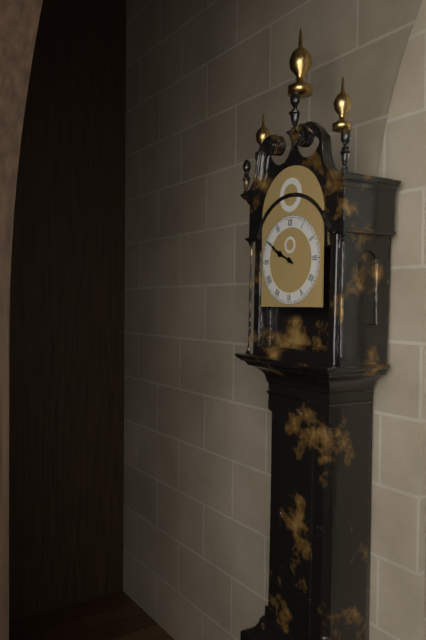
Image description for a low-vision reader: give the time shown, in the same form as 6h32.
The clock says 9h50
